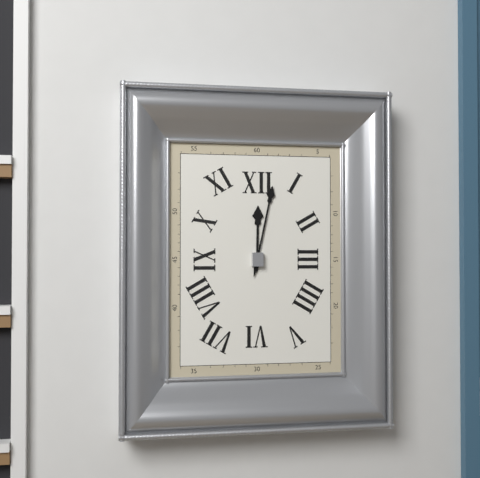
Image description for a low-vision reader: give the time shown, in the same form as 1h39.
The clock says 12h02
